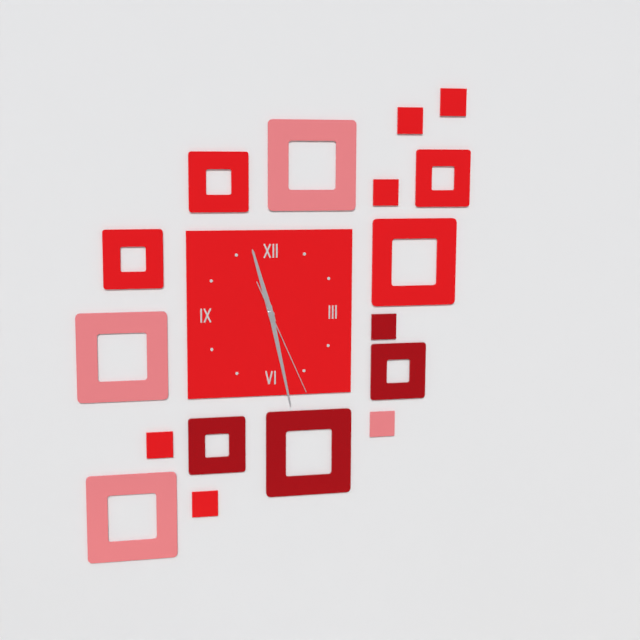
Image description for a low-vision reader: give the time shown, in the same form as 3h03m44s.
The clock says 11h28m26s
